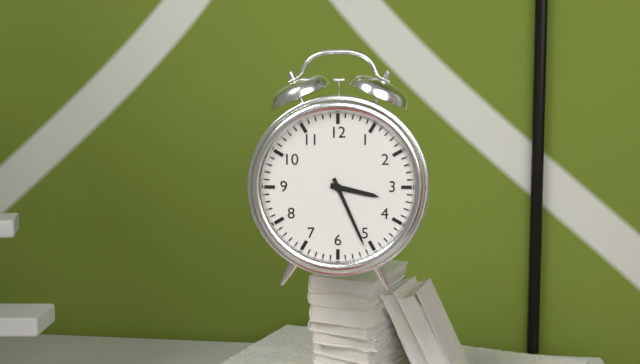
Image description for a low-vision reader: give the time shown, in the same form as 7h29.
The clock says 3h26
